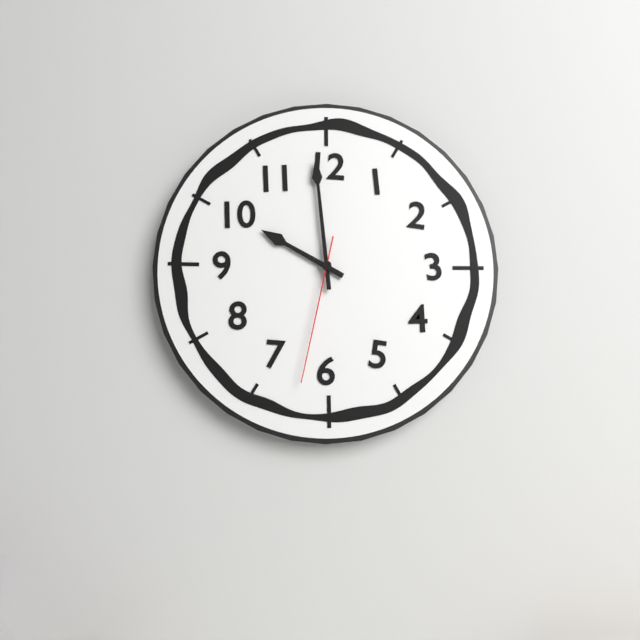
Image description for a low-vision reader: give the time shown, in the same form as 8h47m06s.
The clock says 9h59m32s
